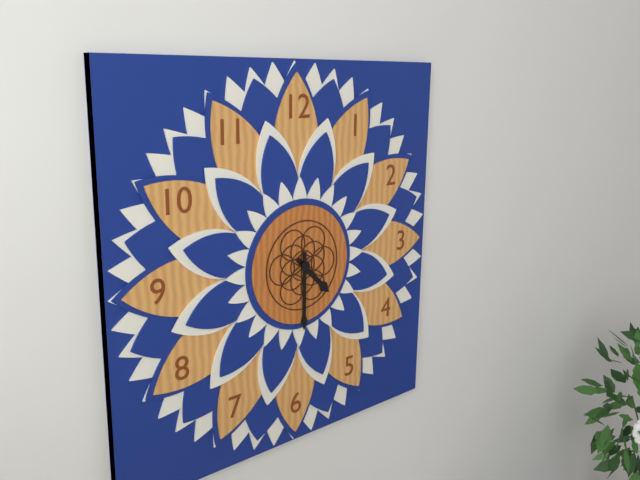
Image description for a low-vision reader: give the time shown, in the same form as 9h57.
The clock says 4h30
